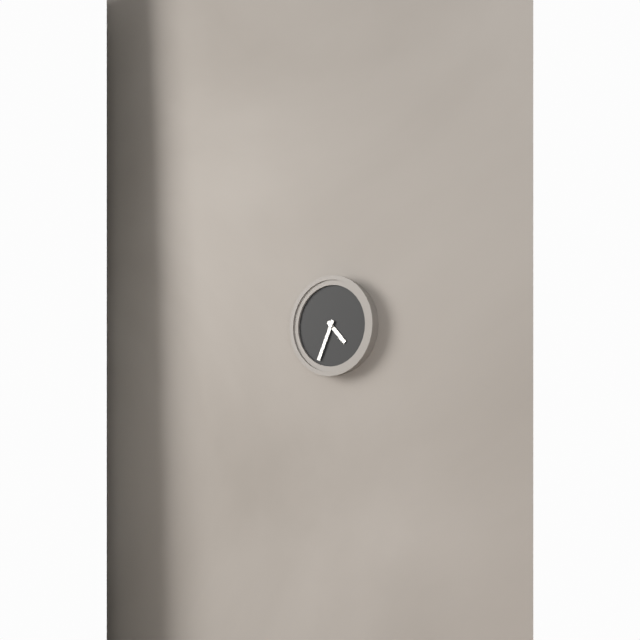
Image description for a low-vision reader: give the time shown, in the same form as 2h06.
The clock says 4h34
